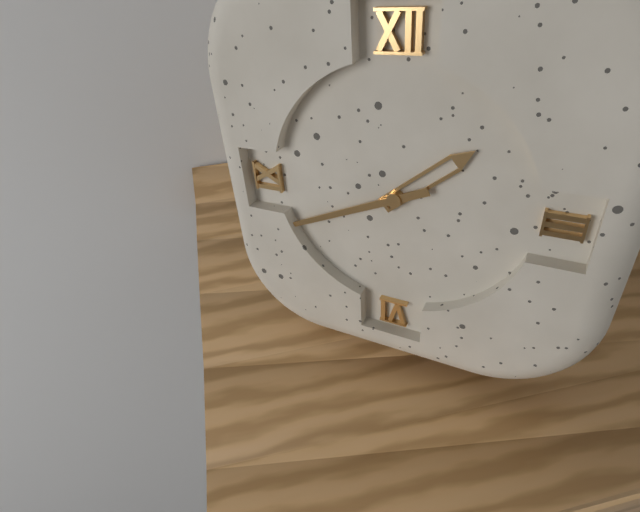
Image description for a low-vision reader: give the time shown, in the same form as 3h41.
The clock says 1h41
